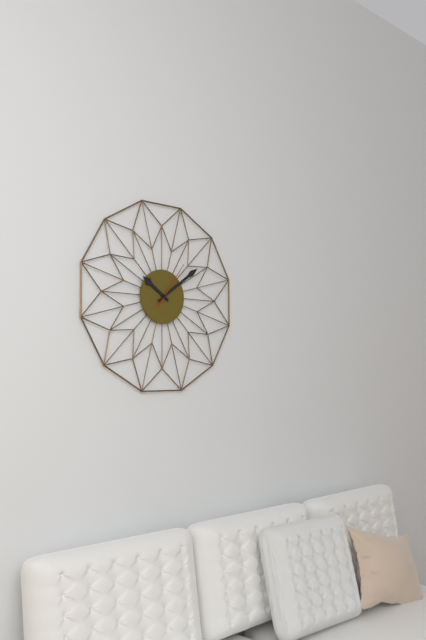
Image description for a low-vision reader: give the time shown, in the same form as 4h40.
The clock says 10h09
